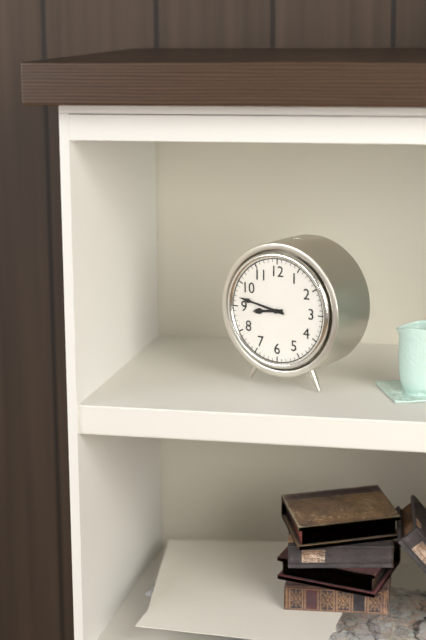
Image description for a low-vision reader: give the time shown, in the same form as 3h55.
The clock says 8h47
